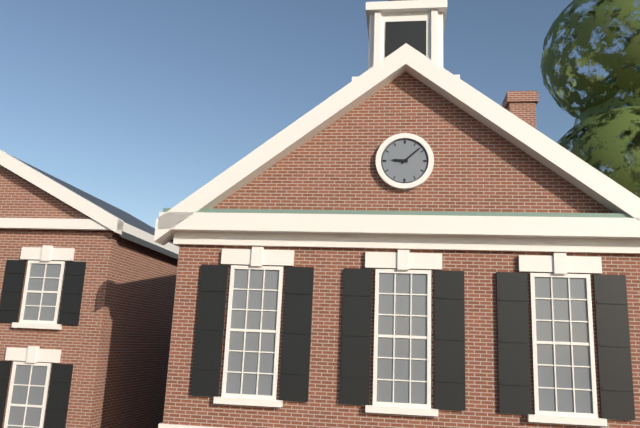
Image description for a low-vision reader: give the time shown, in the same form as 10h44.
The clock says 9h08
